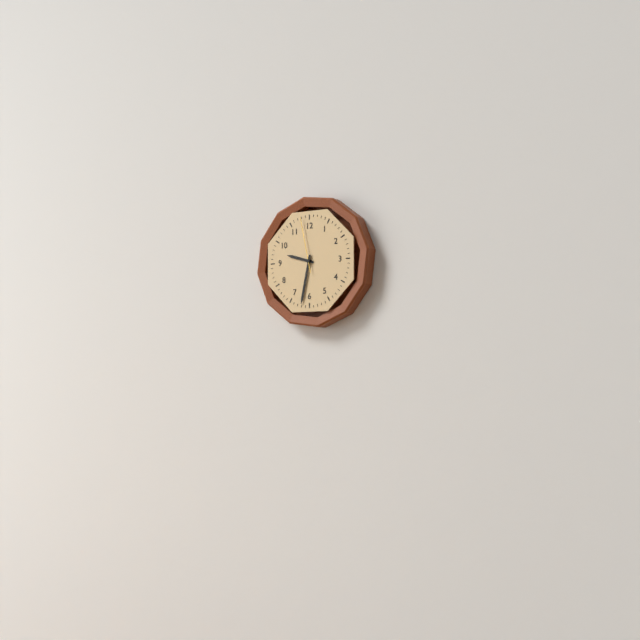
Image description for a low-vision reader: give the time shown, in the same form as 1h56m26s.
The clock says 9h32m58s
